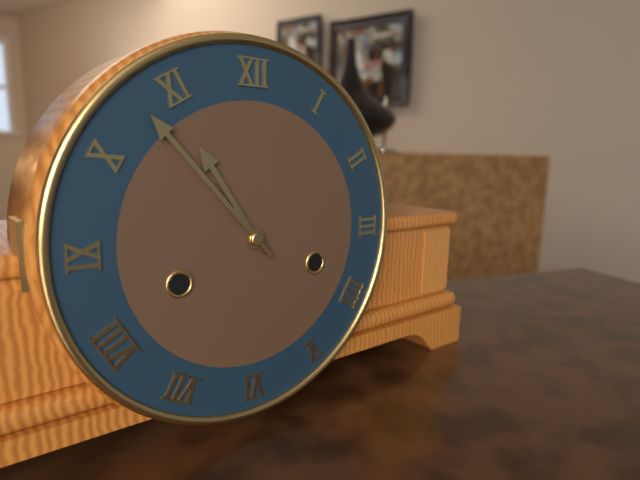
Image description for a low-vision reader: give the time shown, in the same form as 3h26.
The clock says 10h53
